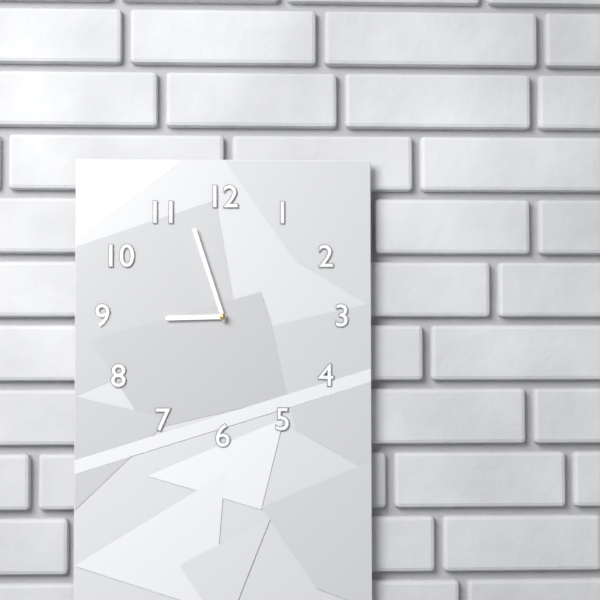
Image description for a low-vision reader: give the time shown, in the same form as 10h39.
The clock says 8h57
